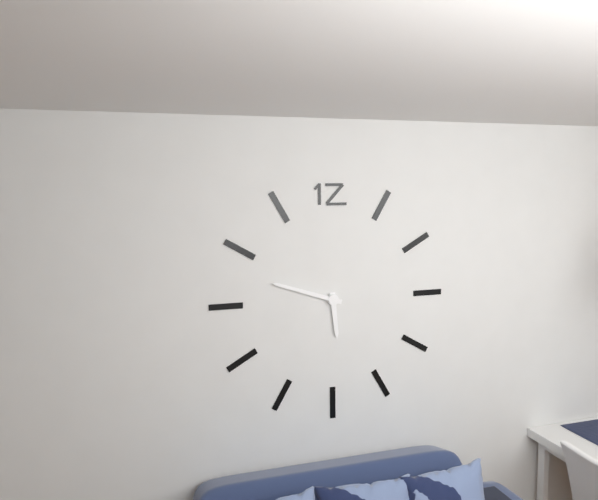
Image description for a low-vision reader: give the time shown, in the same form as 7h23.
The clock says 5h48
